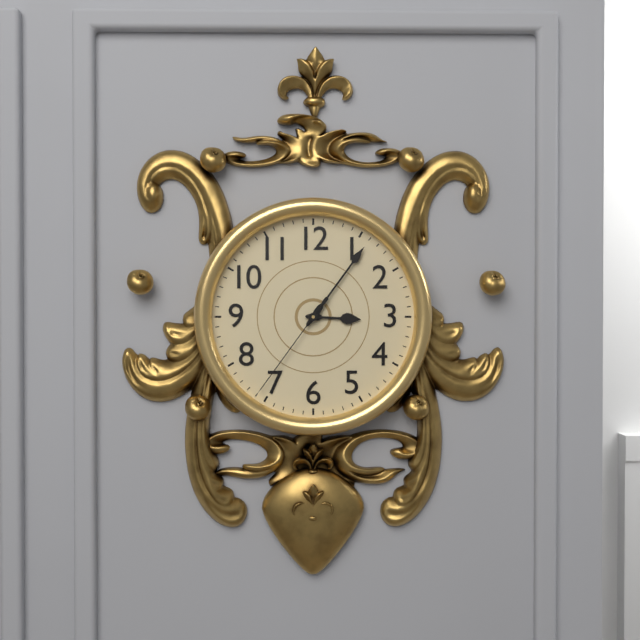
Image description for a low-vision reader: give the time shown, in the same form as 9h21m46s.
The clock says 3h06m36s
